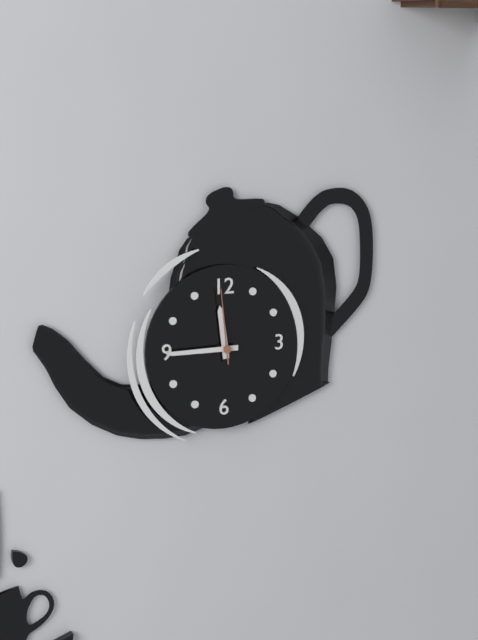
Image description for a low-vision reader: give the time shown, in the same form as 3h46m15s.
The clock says 11h45m59s
